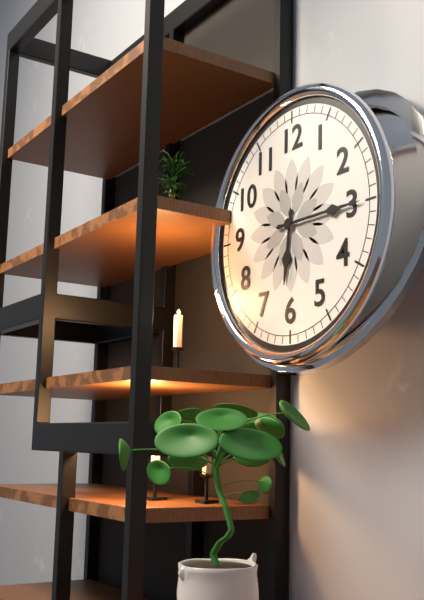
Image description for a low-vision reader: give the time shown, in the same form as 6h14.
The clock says 6h15
